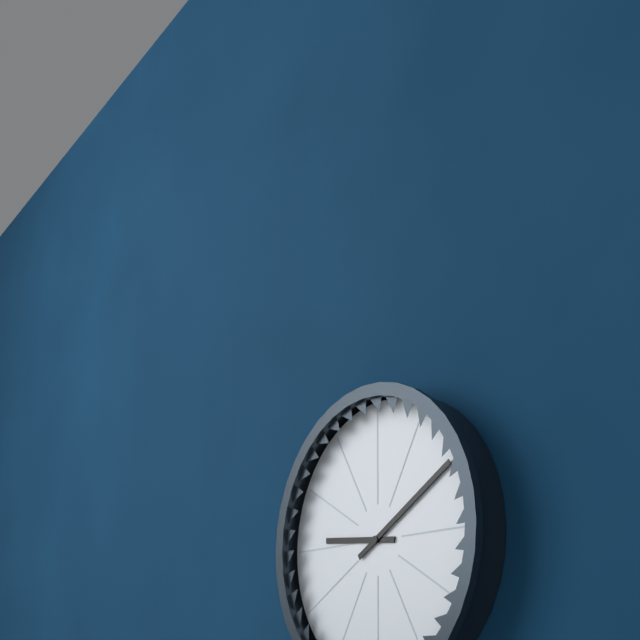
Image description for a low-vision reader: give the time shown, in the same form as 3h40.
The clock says 9h10
